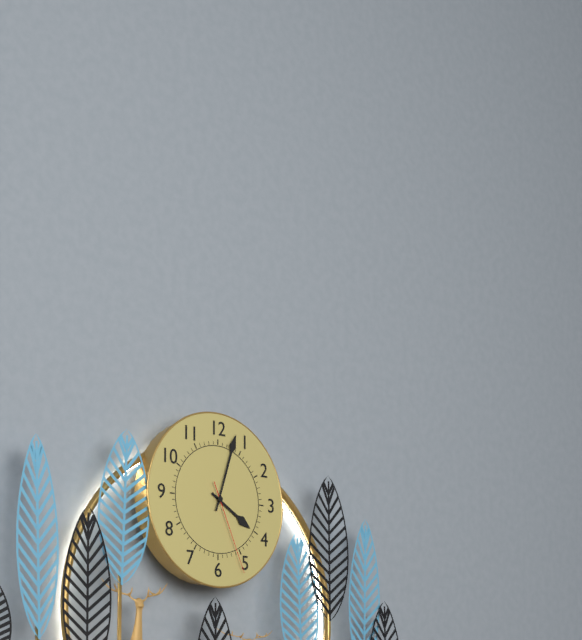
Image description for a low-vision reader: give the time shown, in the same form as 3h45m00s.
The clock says 4h03m26s
